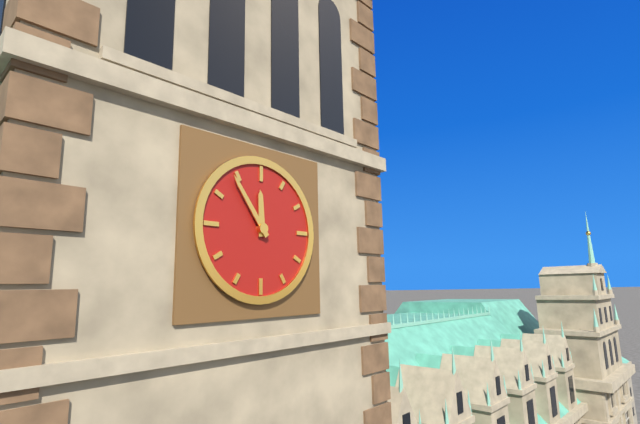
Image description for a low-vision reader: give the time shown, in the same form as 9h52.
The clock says 11h54
